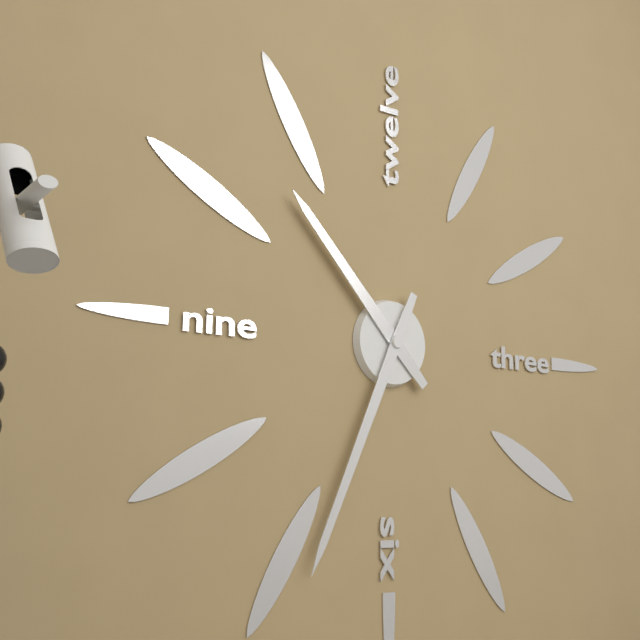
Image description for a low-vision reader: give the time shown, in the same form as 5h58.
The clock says 10h34
